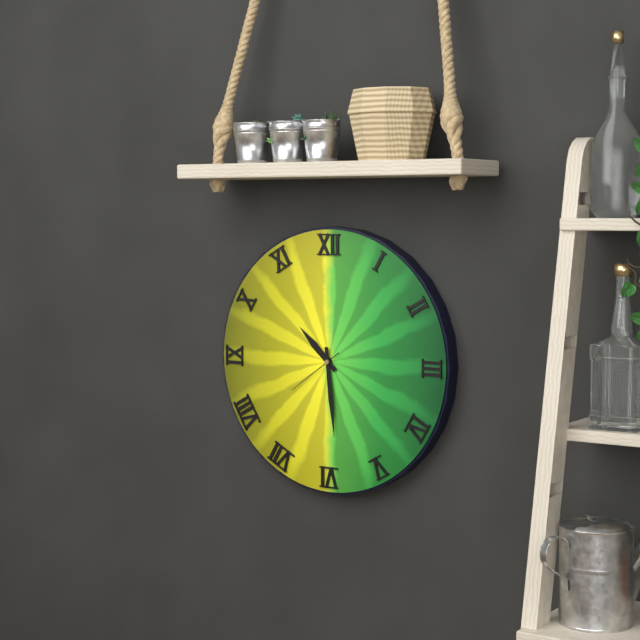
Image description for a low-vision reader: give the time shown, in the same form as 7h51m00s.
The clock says 10h29m39s
